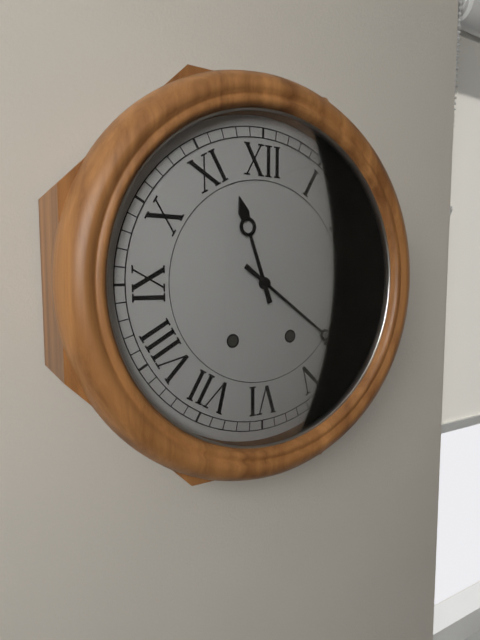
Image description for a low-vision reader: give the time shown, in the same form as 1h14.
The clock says 11h21
